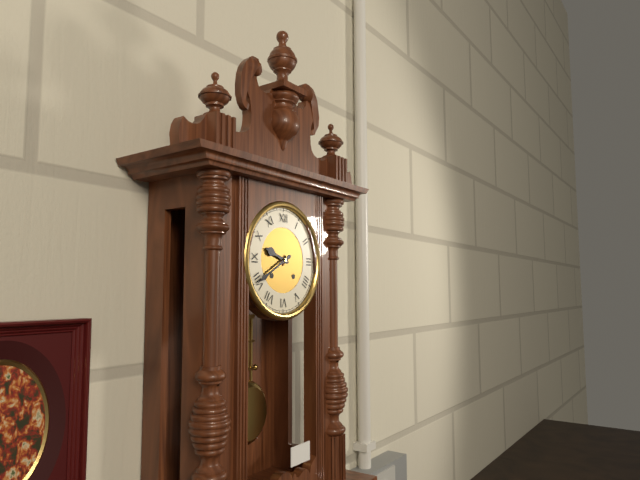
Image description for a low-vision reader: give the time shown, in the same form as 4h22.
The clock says 9h40
